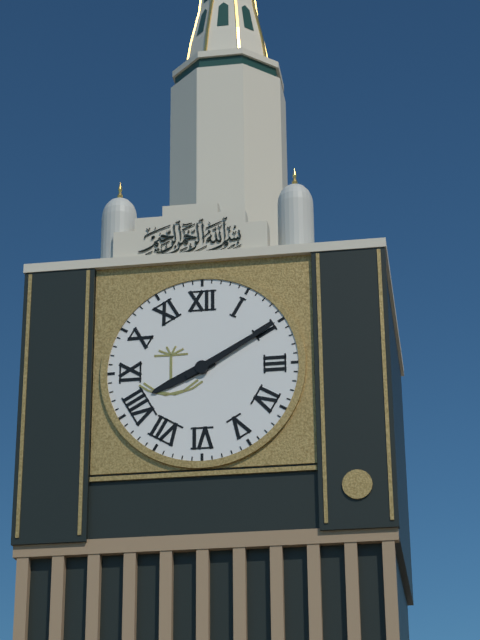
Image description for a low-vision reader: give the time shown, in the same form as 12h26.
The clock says 8h10
